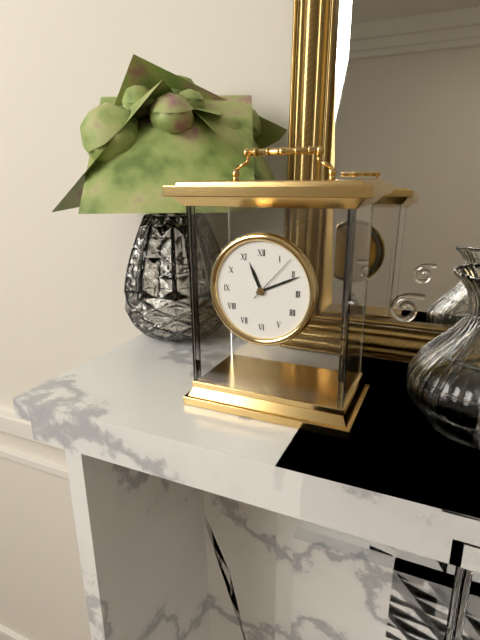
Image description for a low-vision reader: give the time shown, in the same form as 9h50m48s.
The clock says 11h11m07s
